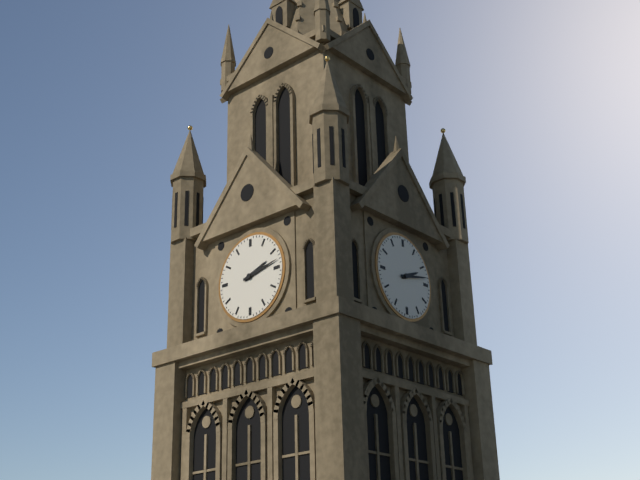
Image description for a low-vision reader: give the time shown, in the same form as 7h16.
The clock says 2h13
